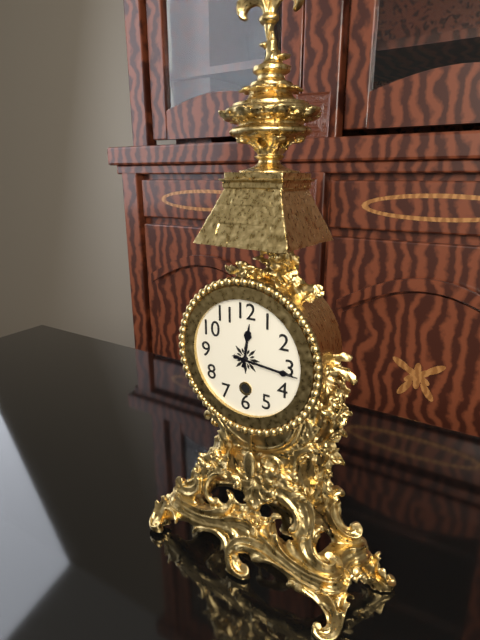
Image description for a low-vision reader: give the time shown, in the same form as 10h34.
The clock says 12h16
